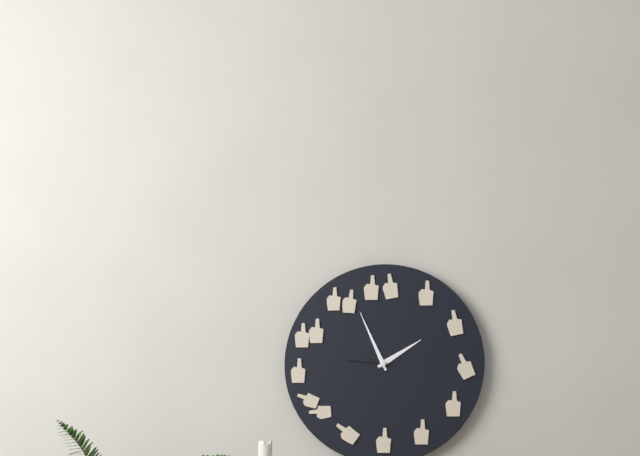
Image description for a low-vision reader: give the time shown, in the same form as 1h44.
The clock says 1h56
